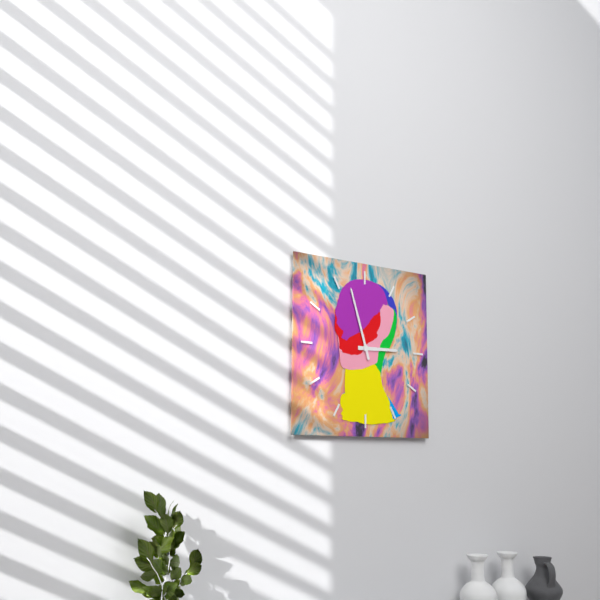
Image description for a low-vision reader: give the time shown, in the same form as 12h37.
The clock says 2h57
